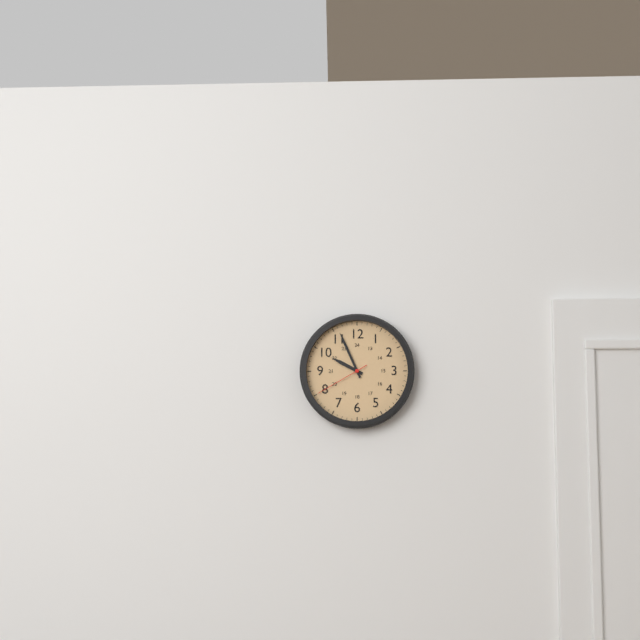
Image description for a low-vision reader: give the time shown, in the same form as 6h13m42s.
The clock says 9h56m40s
